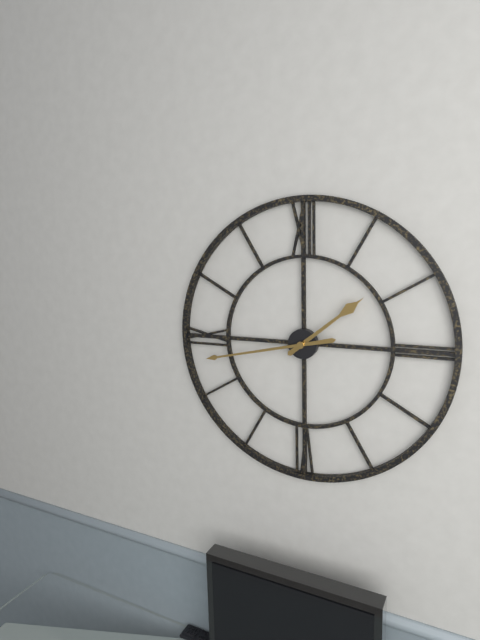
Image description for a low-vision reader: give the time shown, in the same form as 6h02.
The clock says 1h43
